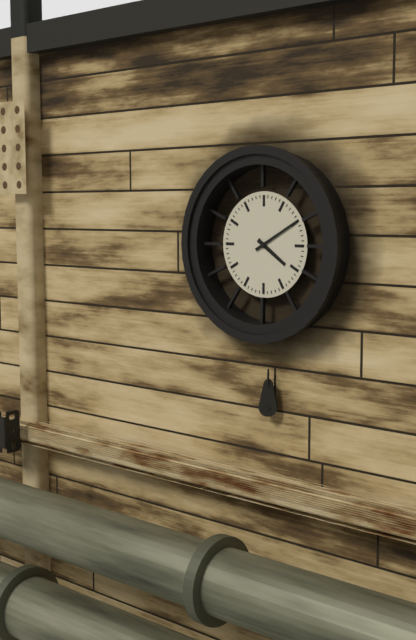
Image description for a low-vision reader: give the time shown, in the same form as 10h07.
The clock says 4h10
